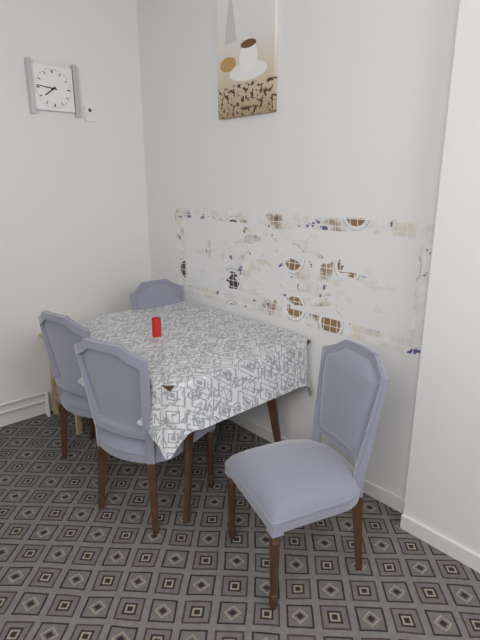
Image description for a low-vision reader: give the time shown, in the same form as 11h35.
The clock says 7h46
